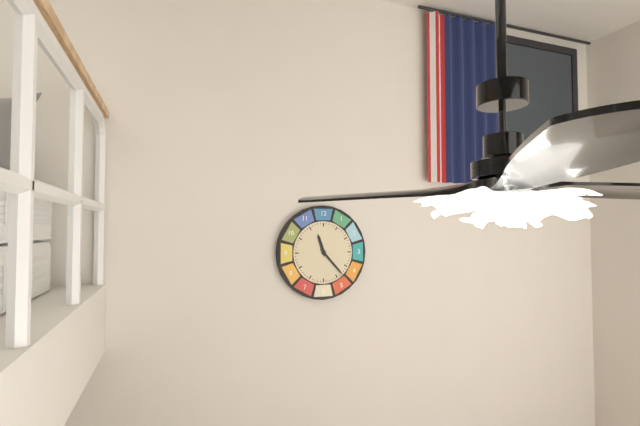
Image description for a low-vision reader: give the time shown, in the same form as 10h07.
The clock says 11h23
